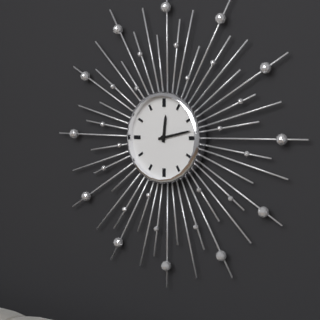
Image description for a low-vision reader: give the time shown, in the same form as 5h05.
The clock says 12h13
